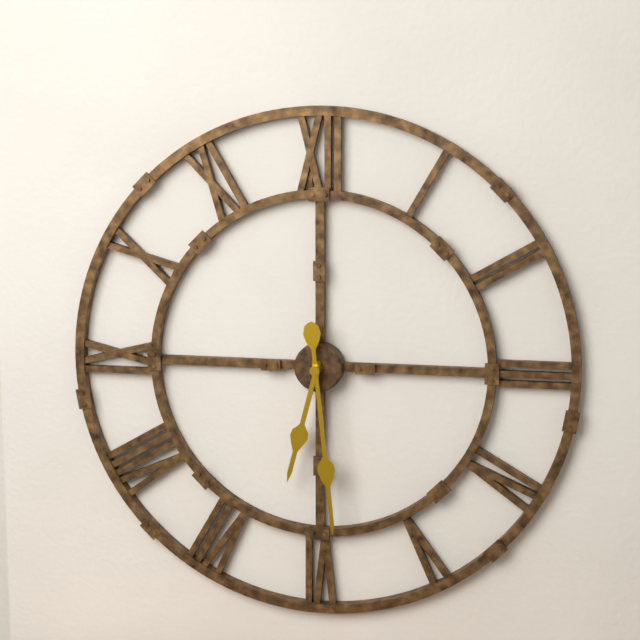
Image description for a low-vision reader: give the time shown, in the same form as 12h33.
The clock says 6h29
